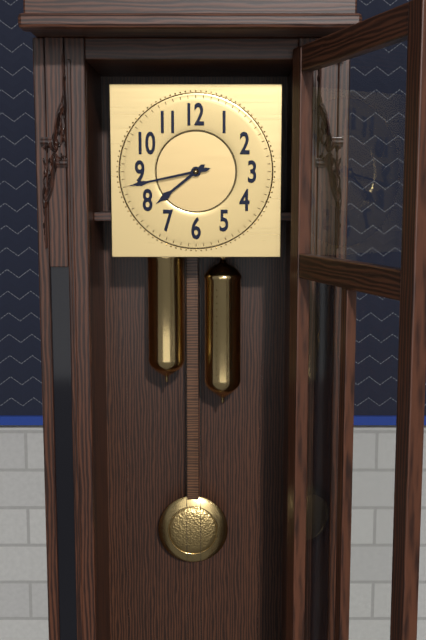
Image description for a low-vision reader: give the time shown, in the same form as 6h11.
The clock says 7h43
